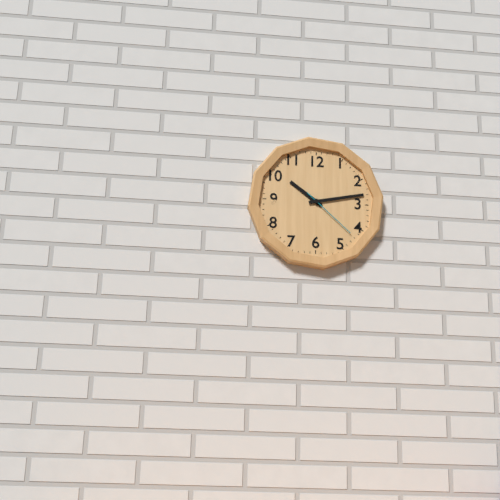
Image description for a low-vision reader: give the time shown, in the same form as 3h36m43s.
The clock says 10h13m22s
